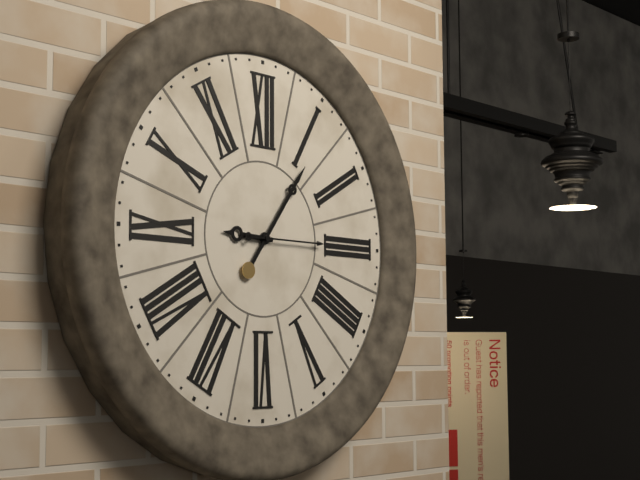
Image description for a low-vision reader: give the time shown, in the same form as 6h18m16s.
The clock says 9h06m15s
